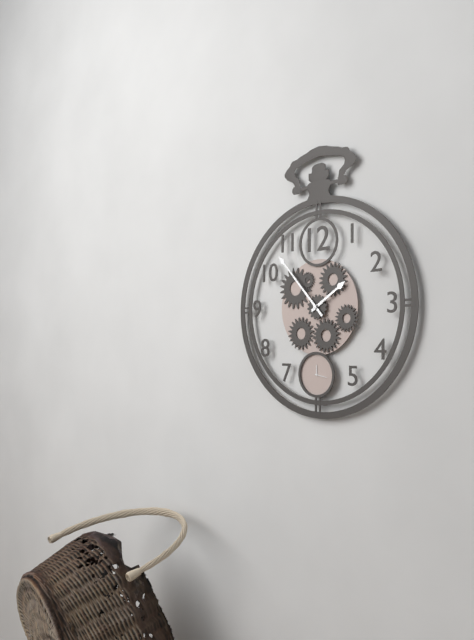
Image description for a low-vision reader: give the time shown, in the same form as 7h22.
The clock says 1h53
